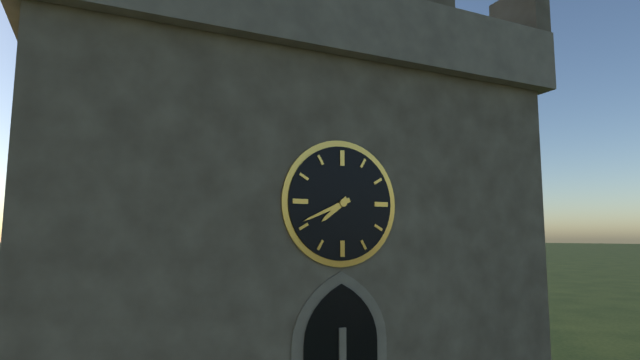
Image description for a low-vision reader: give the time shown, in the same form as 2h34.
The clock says 7h41
